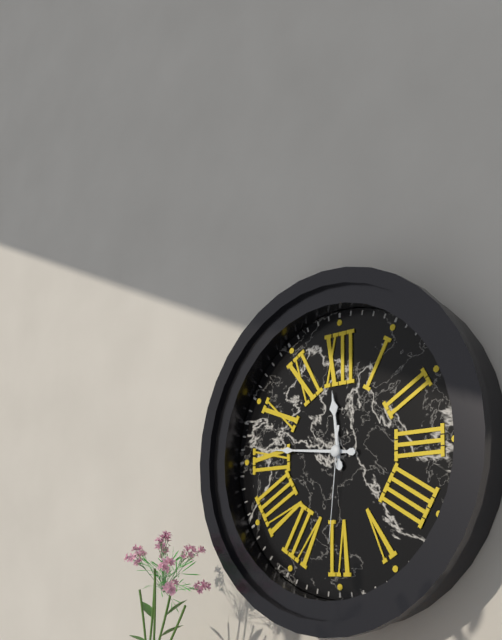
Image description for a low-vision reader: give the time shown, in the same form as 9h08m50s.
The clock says 11h46m31s
